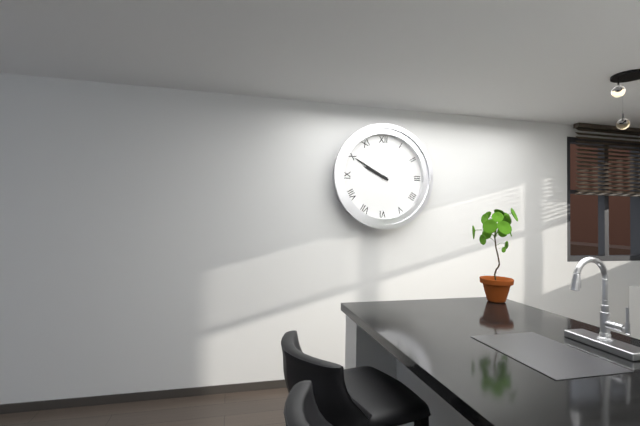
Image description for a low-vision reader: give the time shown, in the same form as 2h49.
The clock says 9h50
